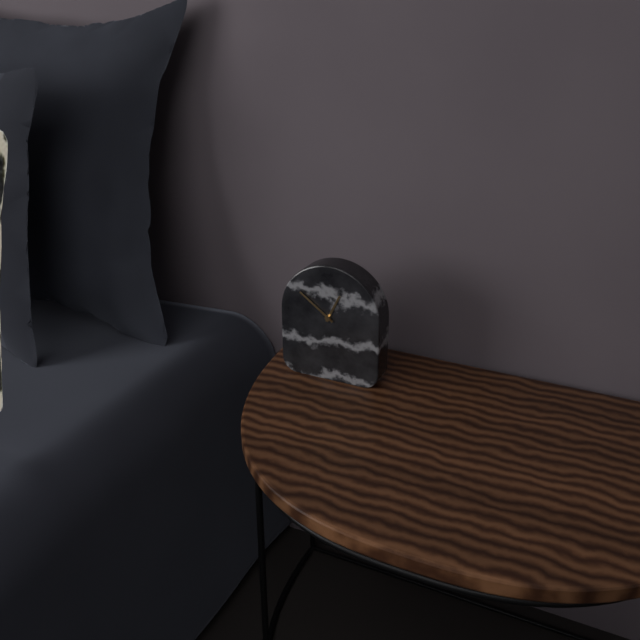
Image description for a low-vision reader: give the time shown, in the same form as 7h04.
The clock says 12h51
